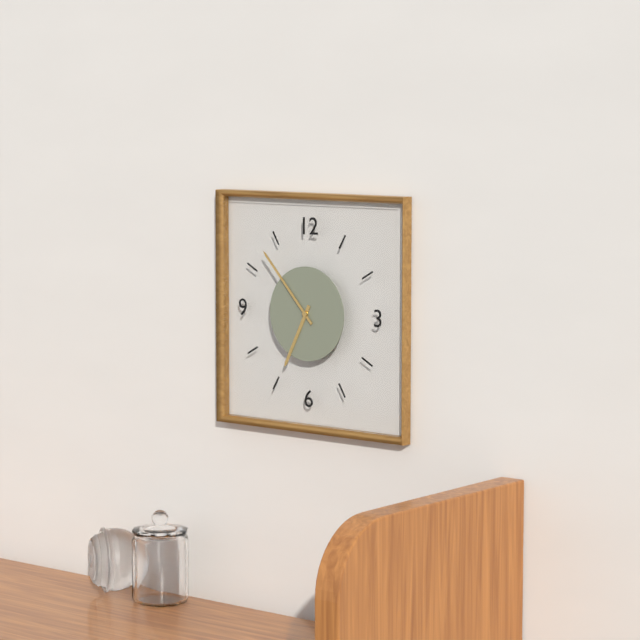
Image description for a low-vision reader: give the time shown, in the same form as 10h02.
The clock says 6h53
